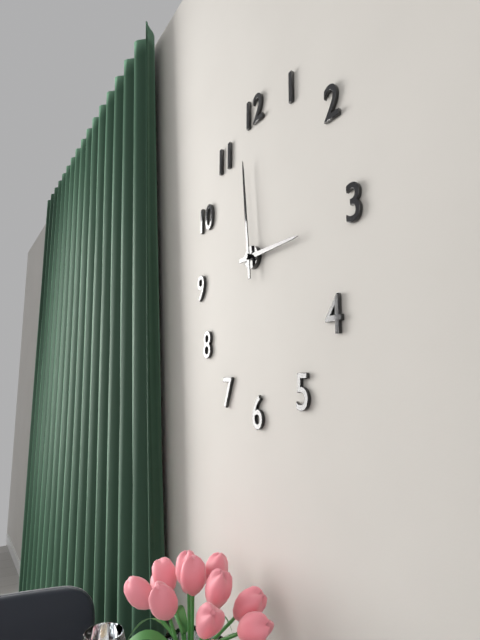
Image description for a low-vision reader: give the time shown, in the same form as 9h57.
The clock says 2h59
